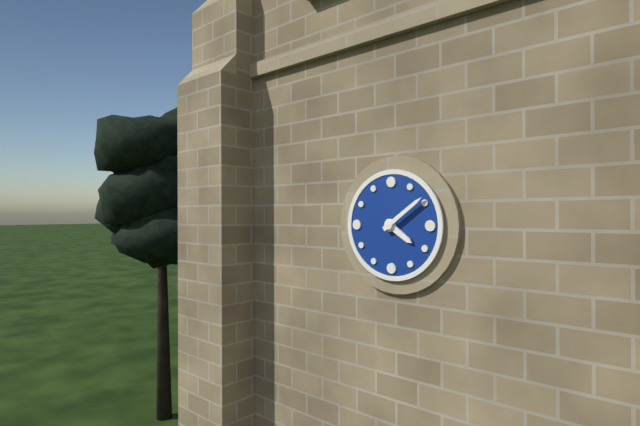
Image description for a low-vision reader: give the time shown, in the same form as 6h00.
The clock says 4h09
